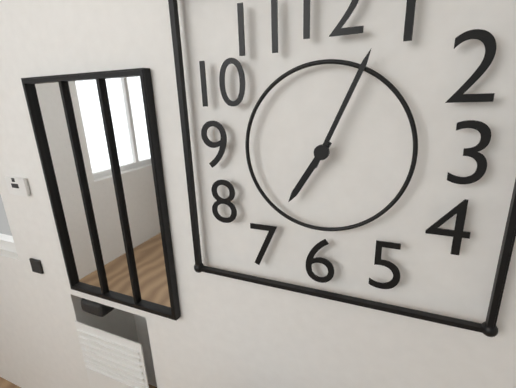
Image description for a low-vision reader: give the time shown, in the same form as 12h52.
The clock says 7h04
